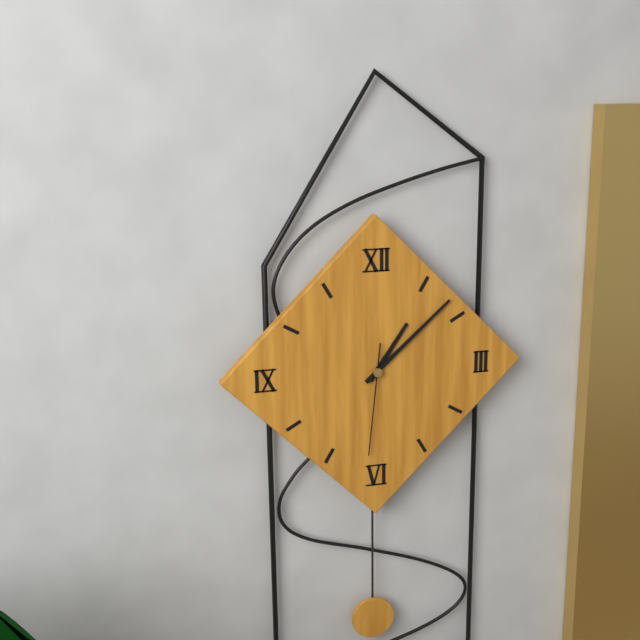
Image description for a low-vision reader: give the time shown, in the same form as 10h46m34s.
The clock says 1h08m31s
